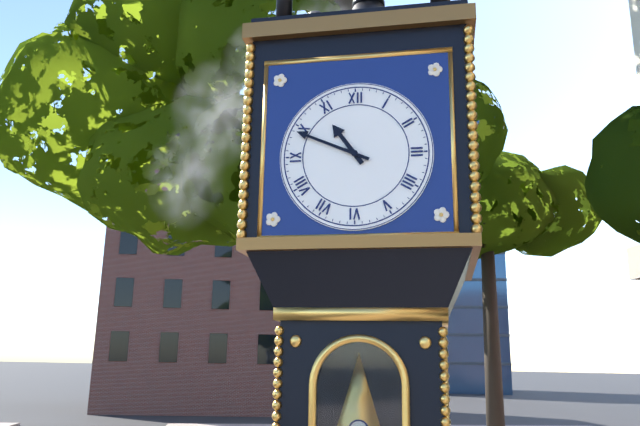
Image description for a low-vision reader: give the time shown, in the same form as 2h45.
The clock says 10h49
